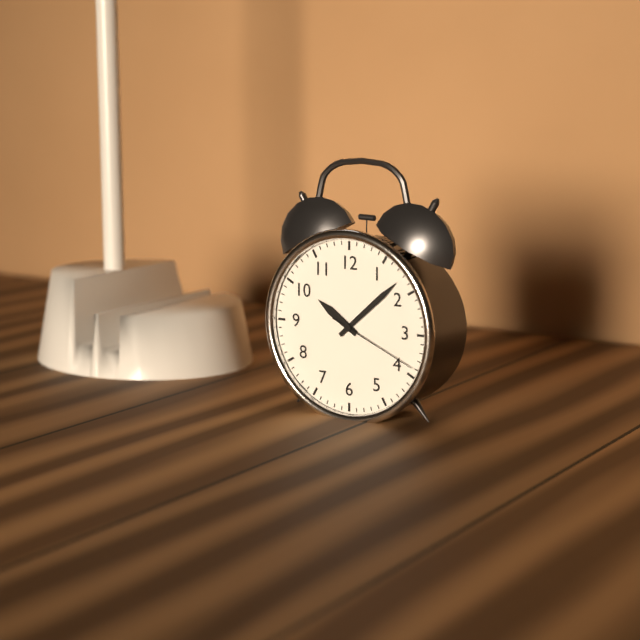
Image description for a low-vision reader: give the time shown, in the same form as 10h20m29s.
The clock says 10h08m19s
